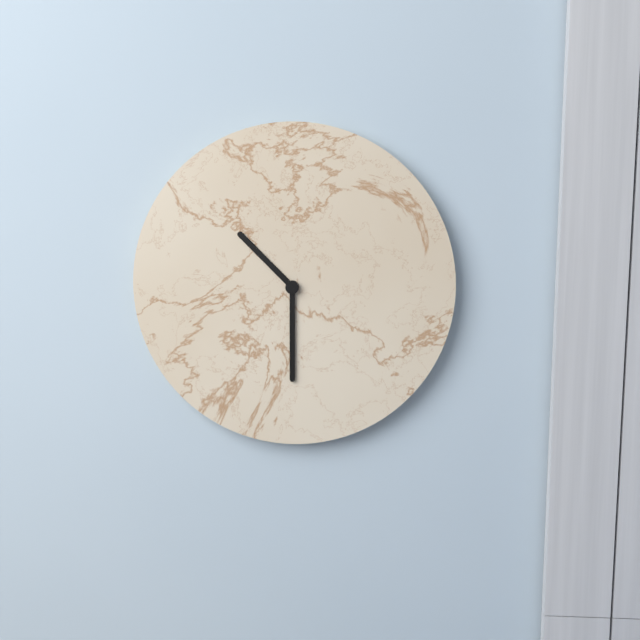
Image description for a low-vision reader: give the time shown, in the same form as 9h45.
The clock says 10h30
